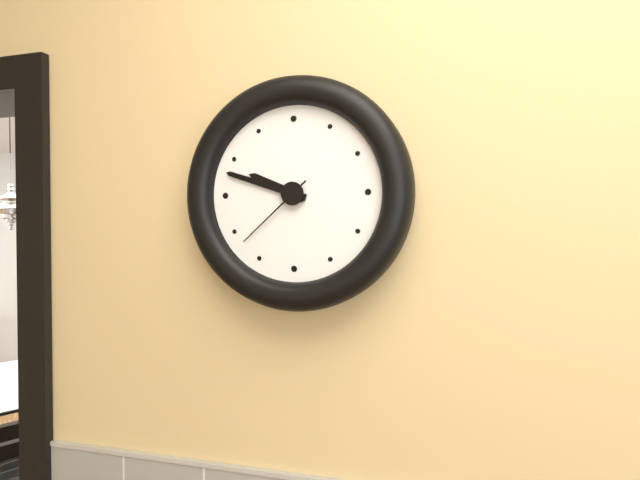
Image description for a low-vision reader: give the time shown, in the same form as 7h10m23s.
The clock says 9h48m38s
